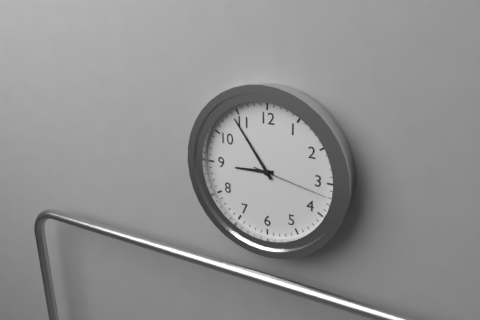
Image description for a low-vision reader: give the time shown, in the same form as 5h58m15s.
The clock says 8h54m17s
